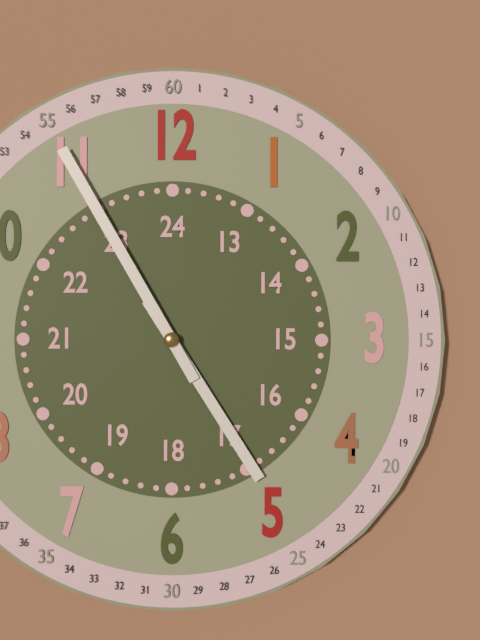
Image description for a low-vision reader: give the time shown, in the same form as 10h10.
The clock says 4h55
